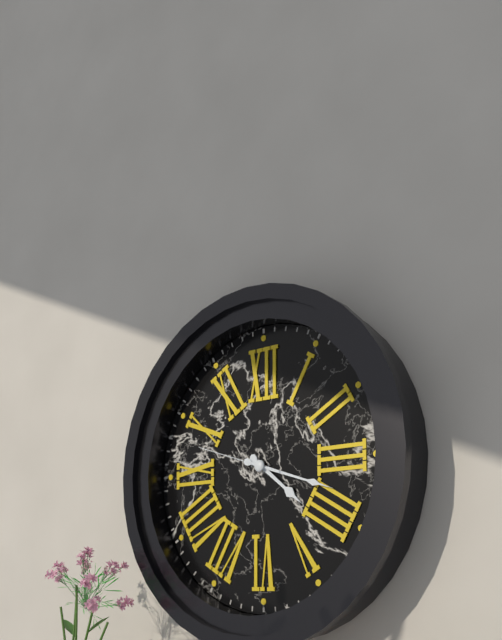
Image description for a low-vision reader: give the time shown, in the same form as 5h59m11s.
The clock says 4h18m48s
